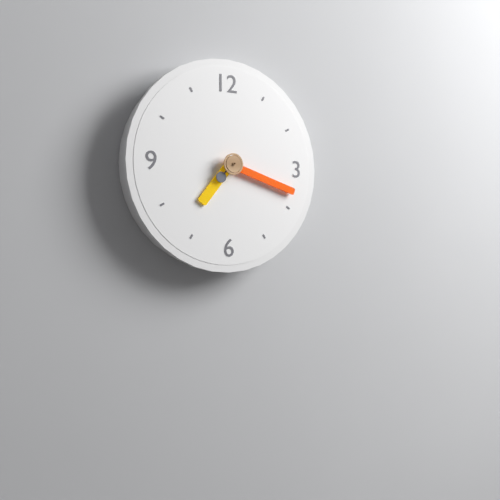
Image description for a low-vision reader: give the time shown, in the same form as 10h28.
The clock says 7h18
